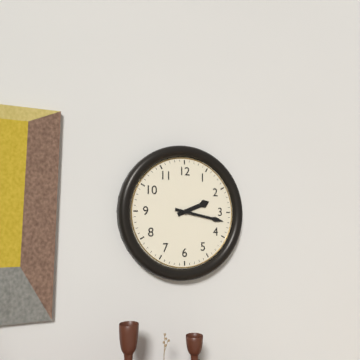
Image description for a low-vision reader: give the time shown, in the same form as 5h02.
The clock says 2h17
